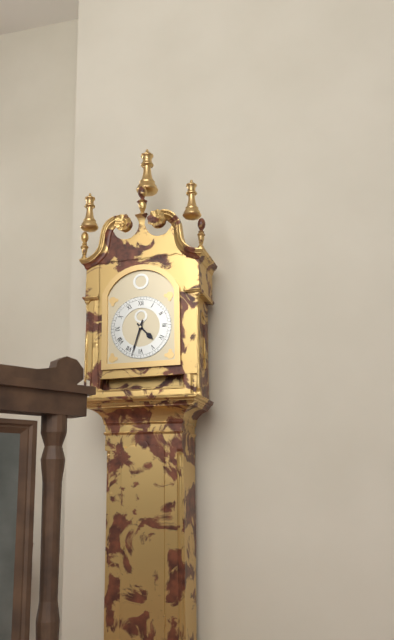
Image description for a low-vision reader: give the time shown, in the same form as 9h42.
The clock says 4h33
